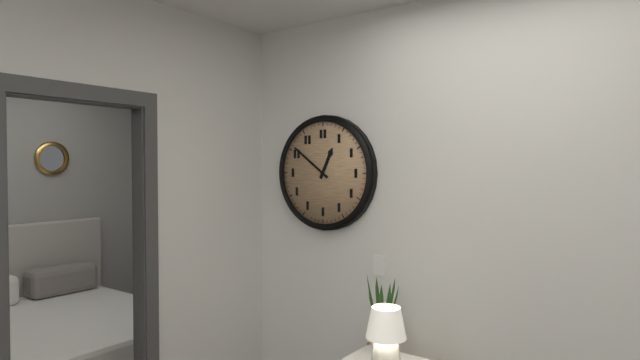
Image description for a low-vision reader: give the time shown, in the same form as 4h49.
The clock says 12h51
